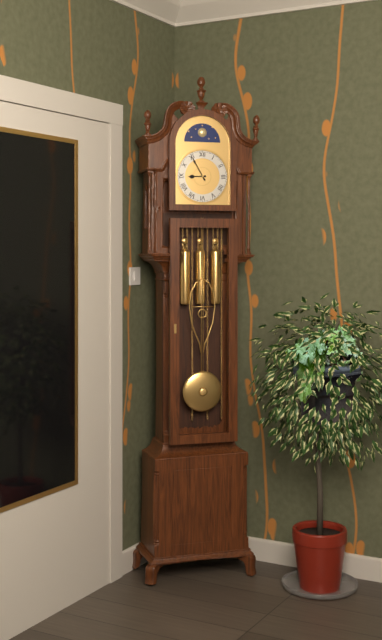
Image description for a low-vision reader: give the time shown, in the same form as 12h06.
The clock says 8h55
